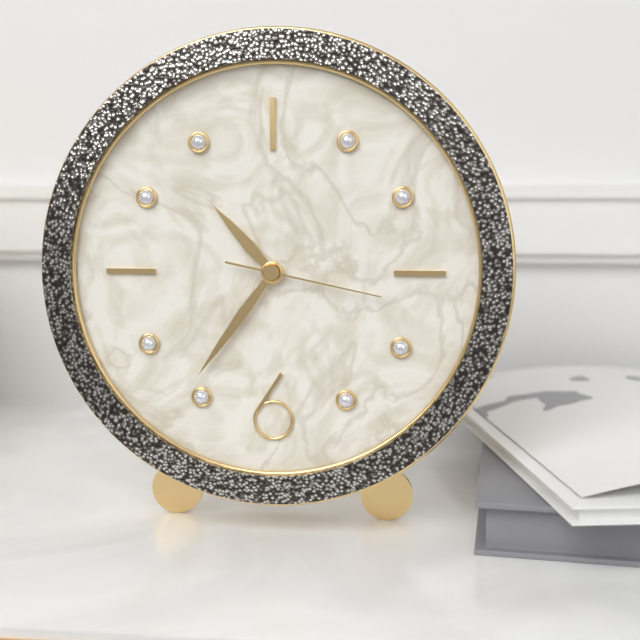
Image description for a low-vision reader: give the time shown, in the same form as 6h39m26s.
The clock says 10h36m17s
